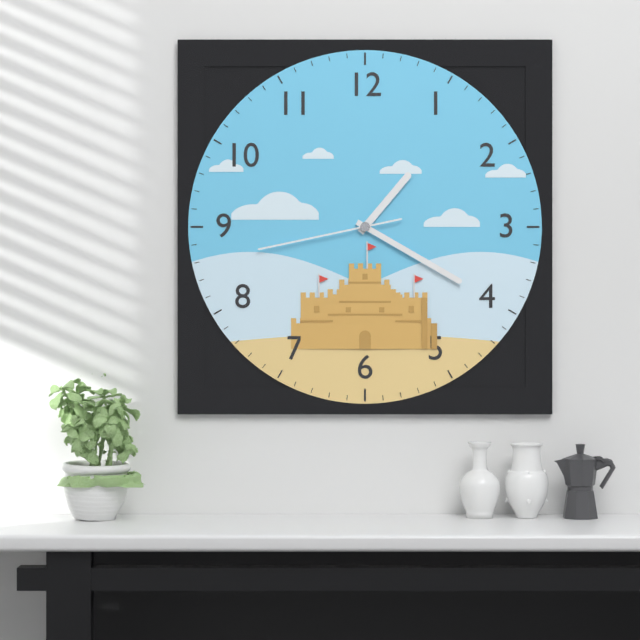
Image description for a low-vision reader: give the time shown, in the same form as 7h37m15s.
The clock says 1h20m43s
